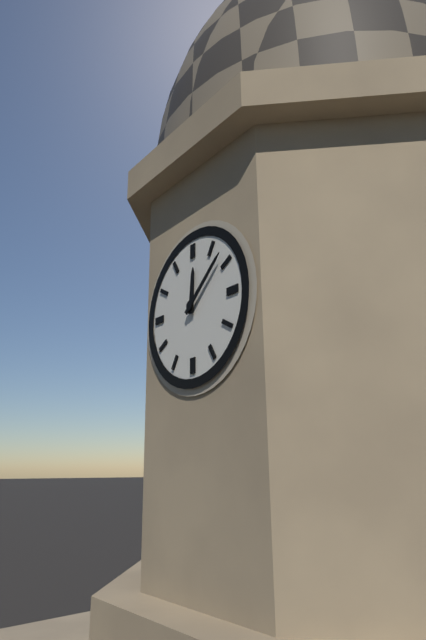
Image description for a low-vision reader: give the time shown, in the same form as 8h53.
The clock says 12h08
